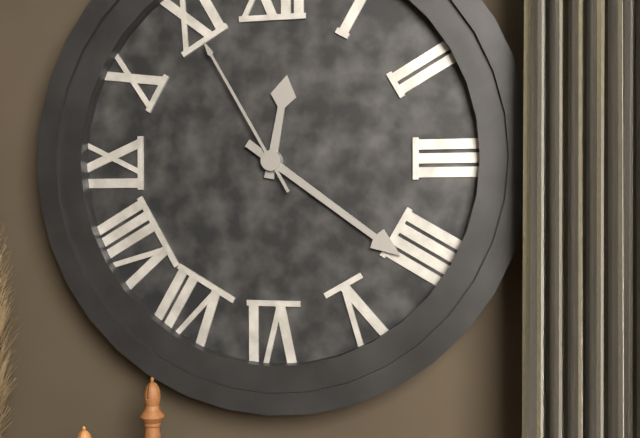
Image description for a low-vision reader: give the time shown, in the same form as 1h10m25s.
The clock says 12h21m55s
